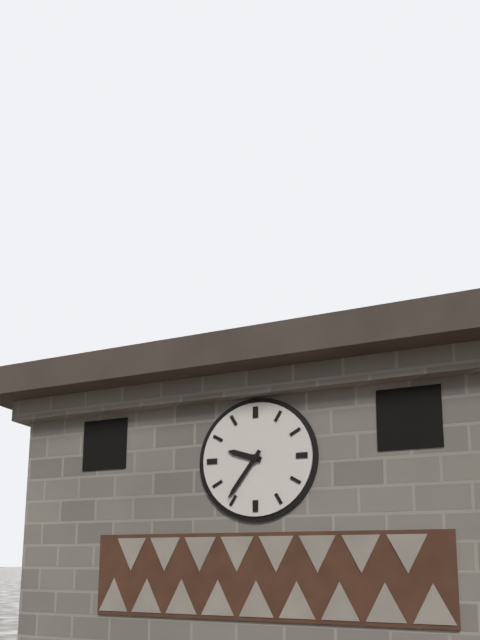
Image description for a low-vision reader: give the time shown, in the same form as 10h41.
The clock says 9h36
